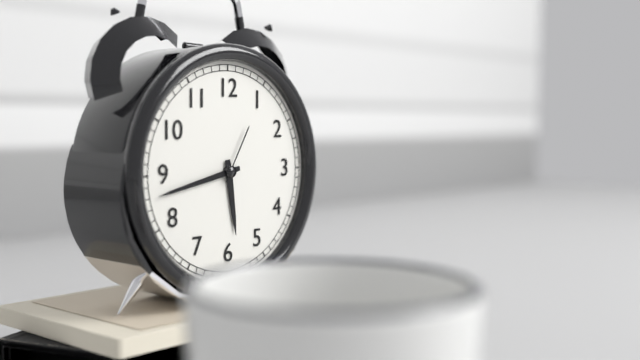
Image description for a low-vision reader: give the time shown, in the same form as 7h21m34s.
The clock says 5h43m05s
